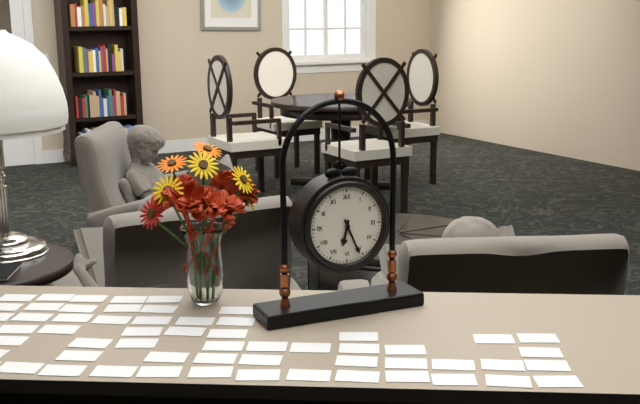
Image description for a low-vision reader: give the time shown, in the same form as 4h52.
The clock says 6h26
